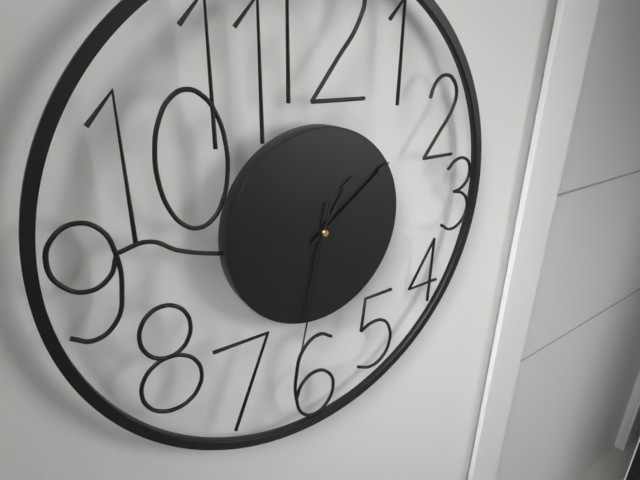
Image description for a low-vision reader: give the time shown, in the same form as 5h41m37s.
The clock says 1h09m32s
